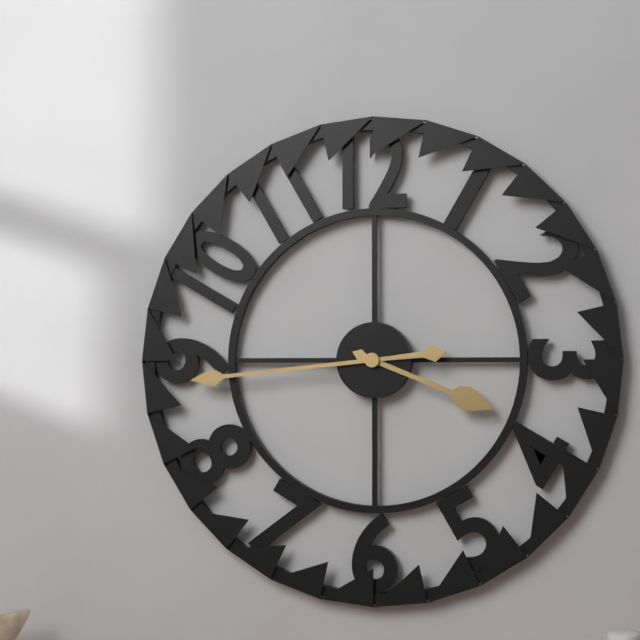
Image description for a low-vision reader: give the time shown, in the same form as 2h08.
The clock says 3h44
